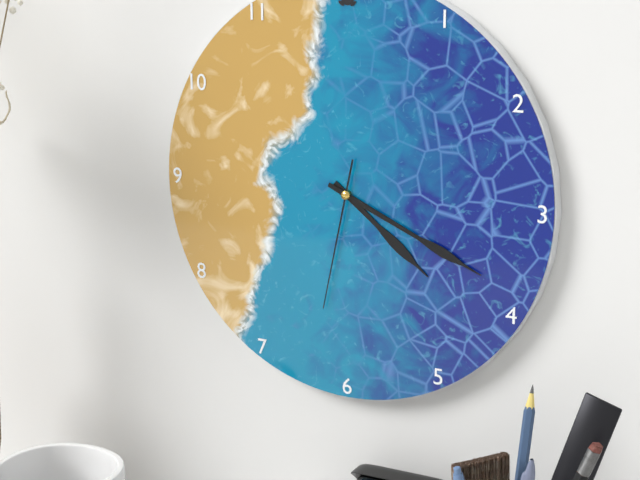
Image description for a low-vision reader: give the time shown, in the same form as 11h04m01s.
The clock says 4h19m32s
